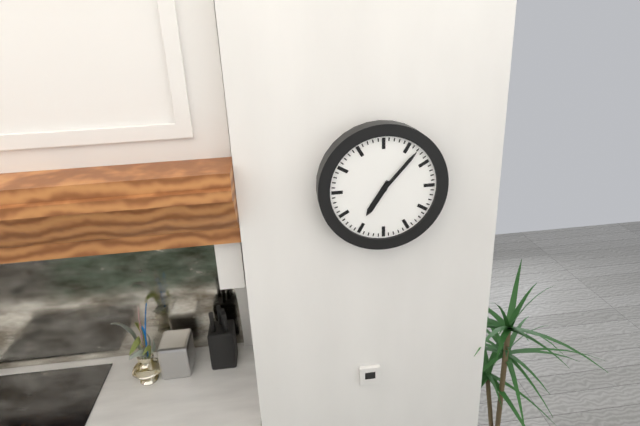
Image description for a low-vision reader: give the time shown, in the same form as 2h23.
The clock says 7h07
